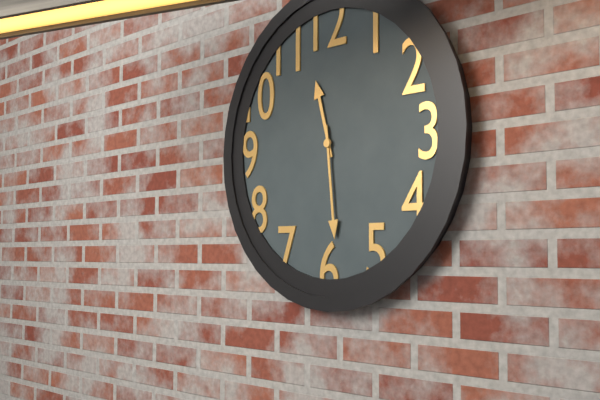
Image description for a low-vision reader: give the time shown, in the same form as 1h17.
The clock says 11h29
